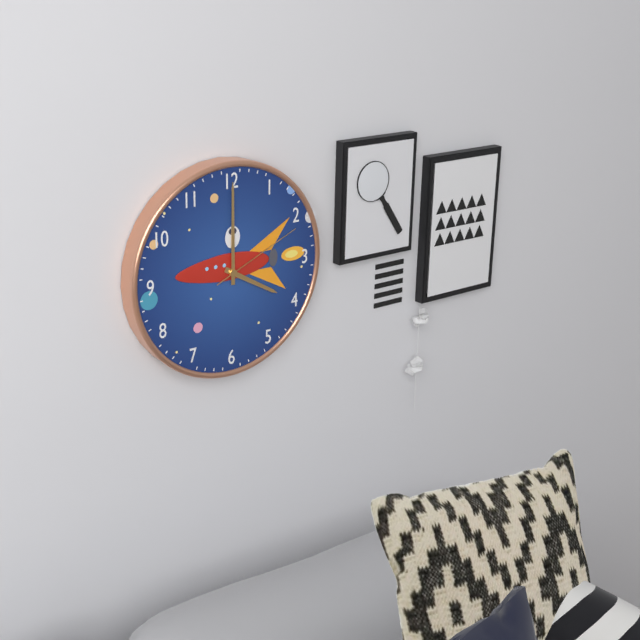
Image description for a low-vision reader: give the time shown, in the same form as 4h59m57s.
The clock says 4h00m11s
